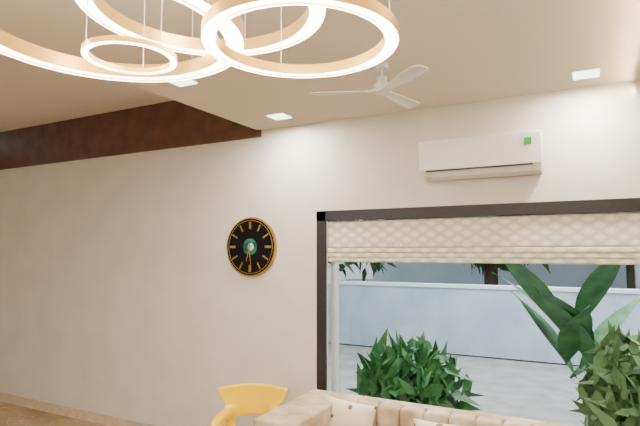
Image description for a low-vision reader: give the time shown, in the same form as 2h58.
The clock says 6h29
